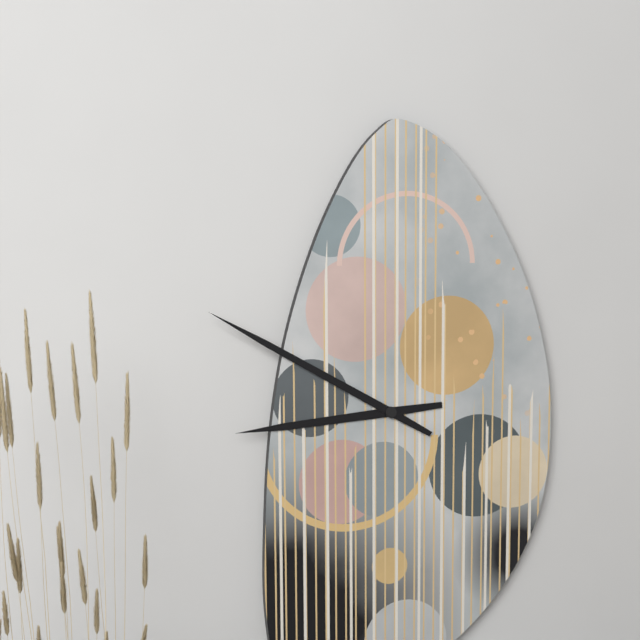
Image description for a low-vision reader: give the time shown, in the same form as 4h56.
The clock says 8h50
